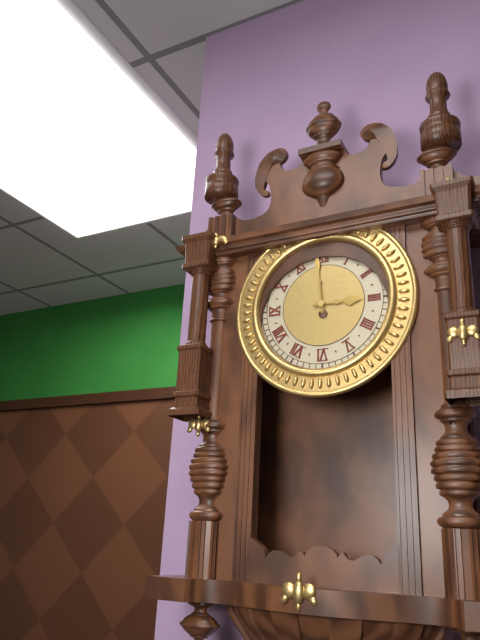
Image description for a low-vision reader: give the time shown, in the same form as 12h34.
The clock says 2h59
